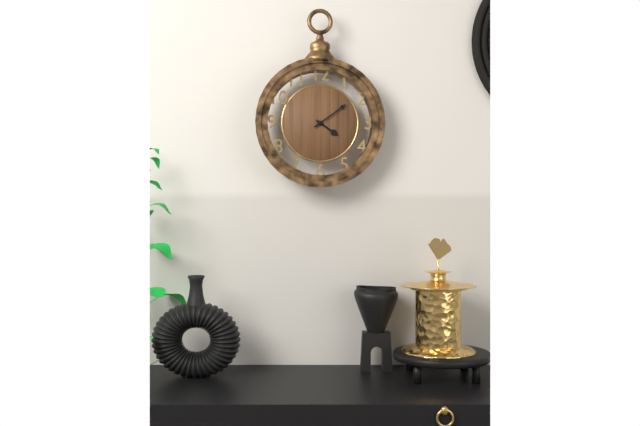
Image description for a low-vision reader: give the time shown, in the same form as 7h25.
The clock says 4h09
